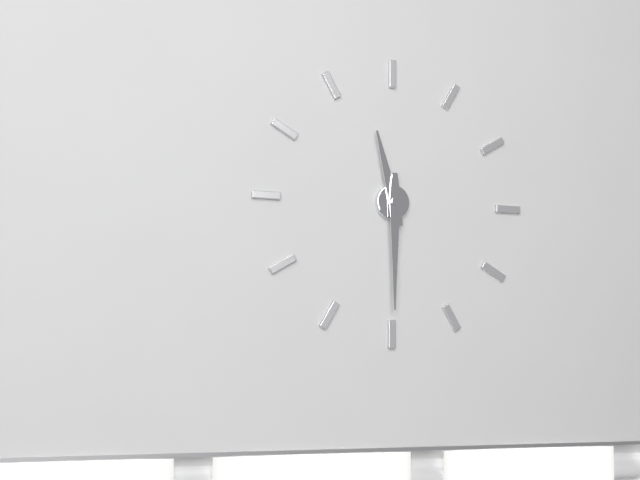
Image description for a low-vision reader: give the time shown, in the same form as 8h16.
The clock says 11h30
